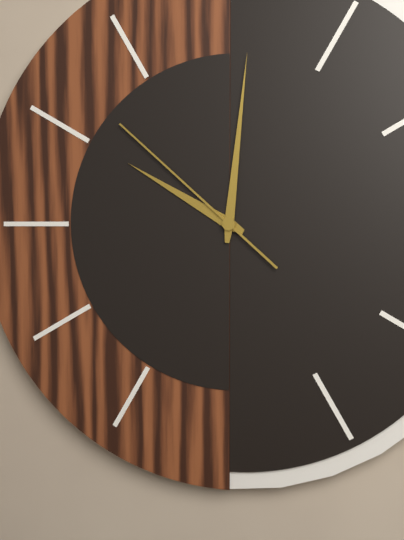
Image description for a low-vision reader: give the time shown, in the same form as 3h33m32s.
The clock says 10h01m52s
